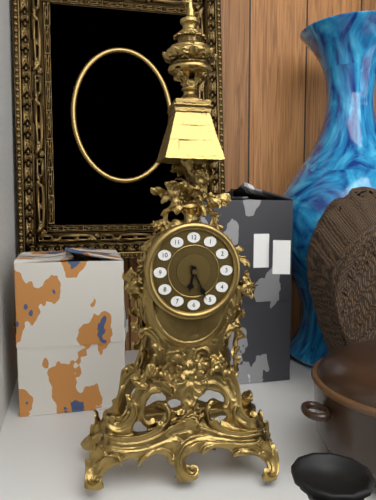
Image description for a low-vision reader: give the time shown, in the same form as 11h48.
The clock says 6h26
